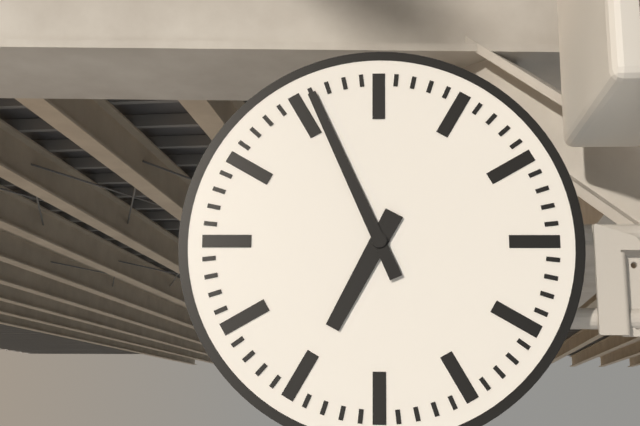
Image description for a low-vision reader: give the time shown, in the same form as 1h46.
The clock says 6h56
